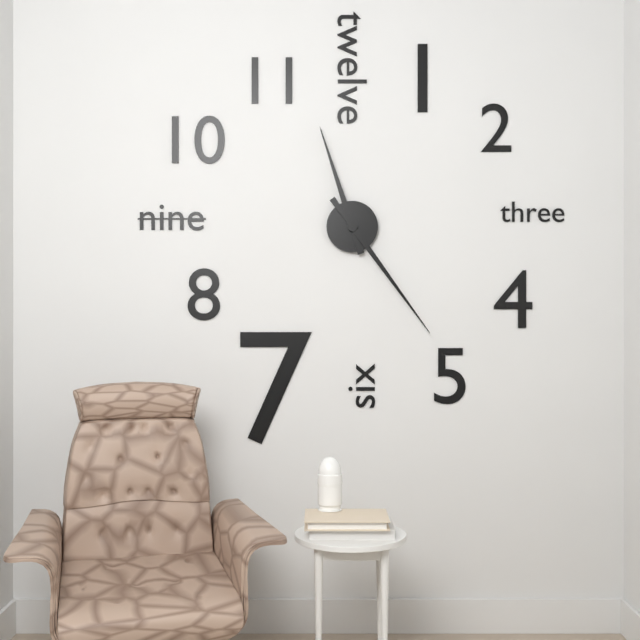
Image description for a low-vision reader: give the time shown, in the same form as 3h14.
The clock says 11h24
